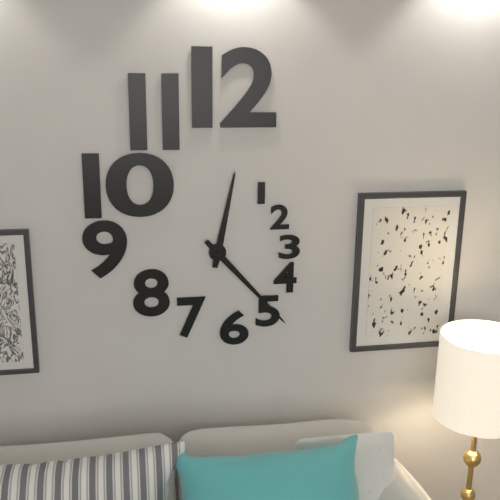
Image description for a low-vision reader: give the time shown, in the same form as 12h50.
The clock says 12h23
